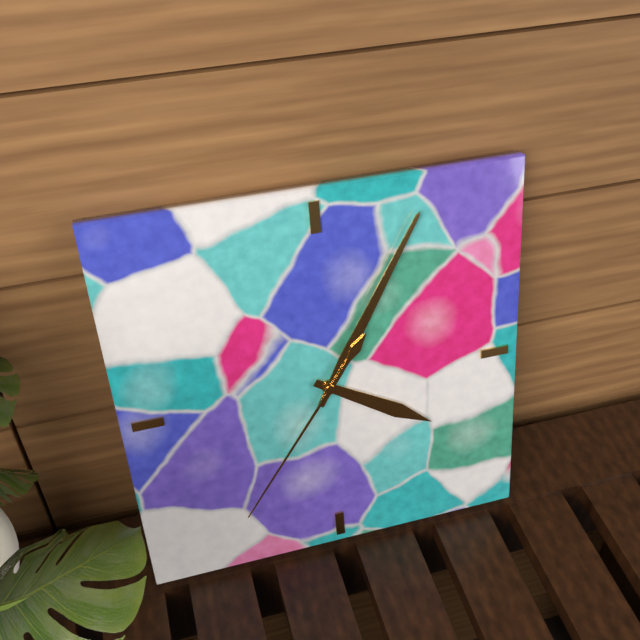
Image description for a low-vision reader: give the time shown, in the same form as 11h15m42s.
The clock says 4h05m36s
